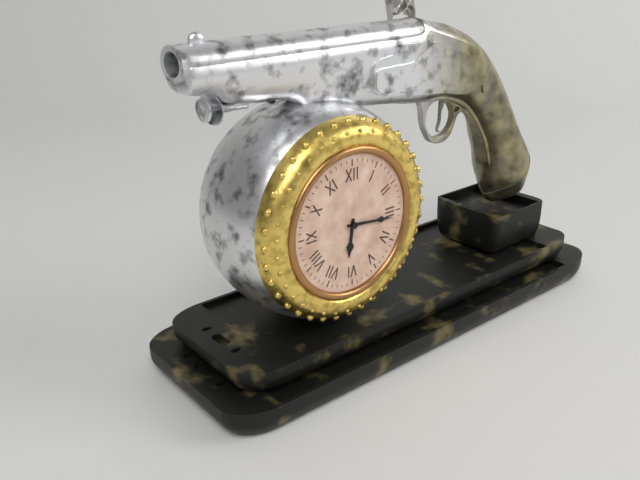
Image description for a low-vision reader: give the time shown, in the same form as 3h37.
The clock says 6h16
